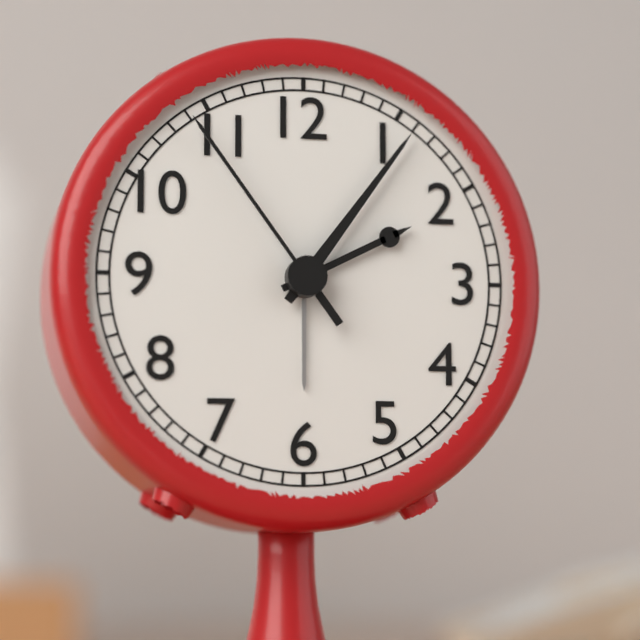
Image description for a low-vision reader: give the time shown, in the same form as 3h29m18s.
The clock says 2h06m54s
